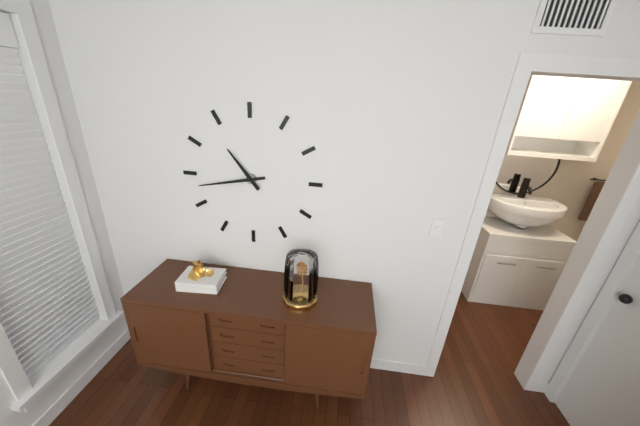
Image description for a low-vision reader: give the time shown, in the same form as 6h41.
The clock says 10h43
